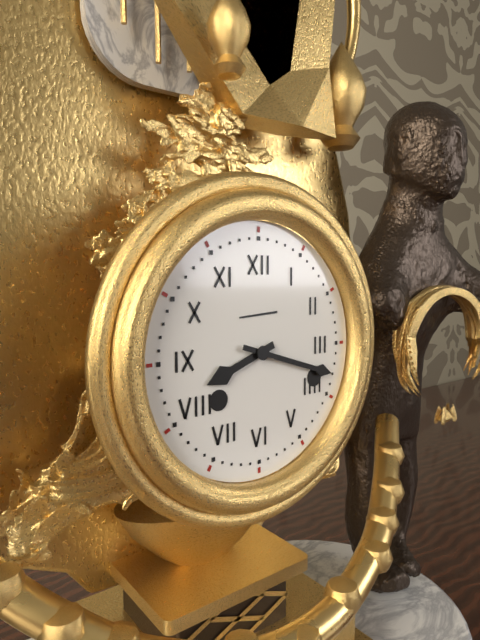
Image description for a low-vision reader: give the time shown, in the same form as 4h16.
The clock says 8h18
